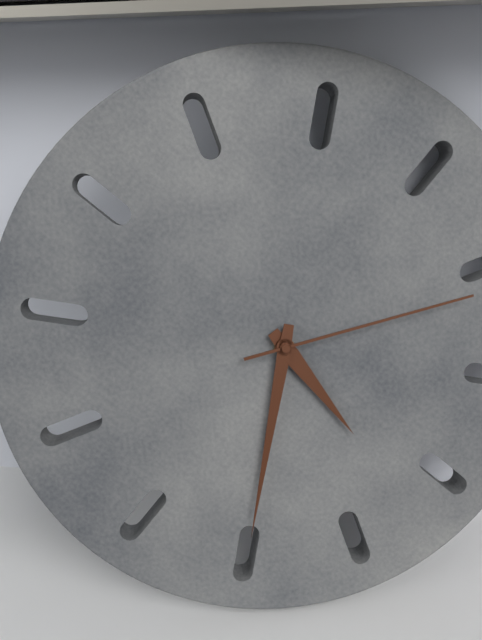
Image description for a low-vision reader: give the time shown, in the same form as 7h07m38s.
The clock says 3h25m06s
